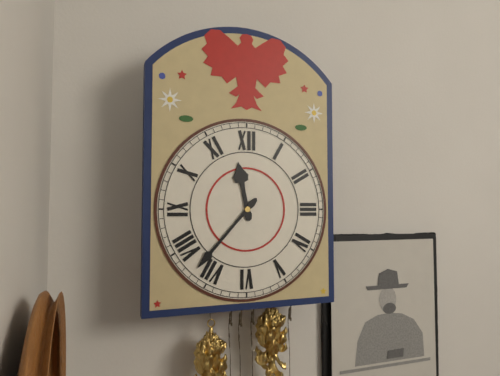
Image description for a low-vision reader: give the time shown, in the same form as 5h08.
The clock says 11h37
